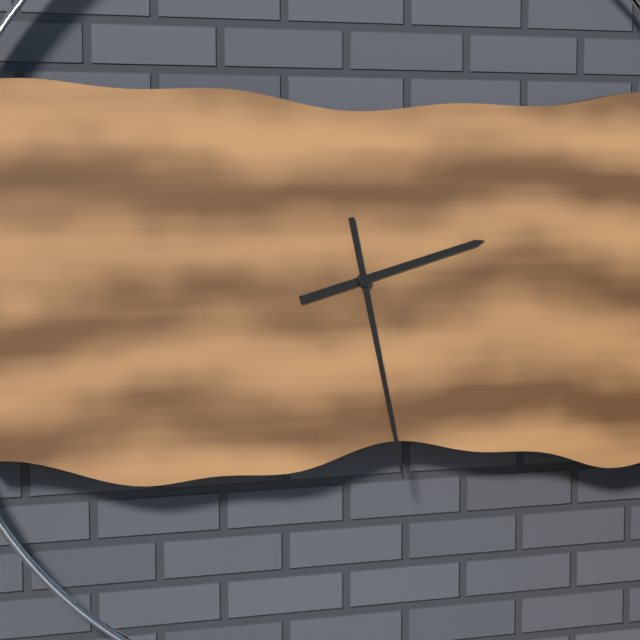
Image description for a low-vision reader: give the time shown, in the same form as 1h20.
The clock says 2h28
